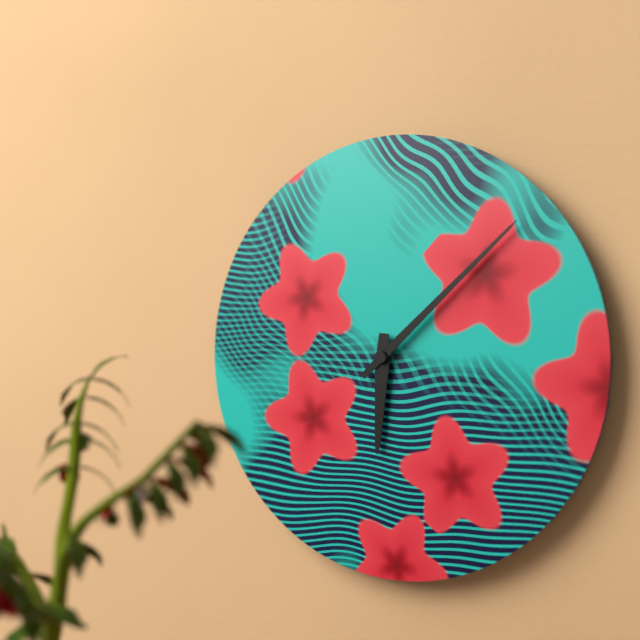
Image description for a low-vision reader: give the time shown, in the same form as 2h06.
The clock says 6h08
